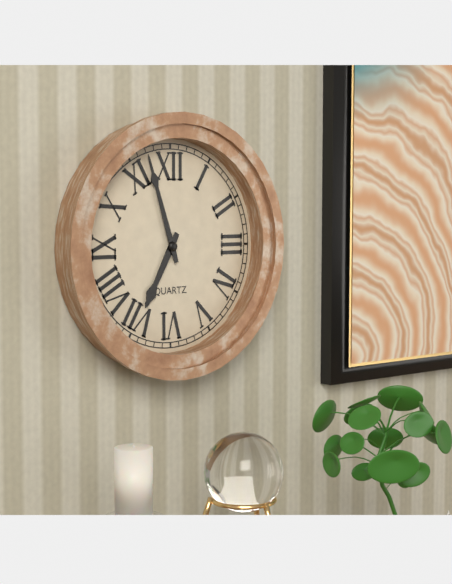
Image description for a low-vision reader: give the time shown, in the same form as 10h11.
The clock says 6h57
